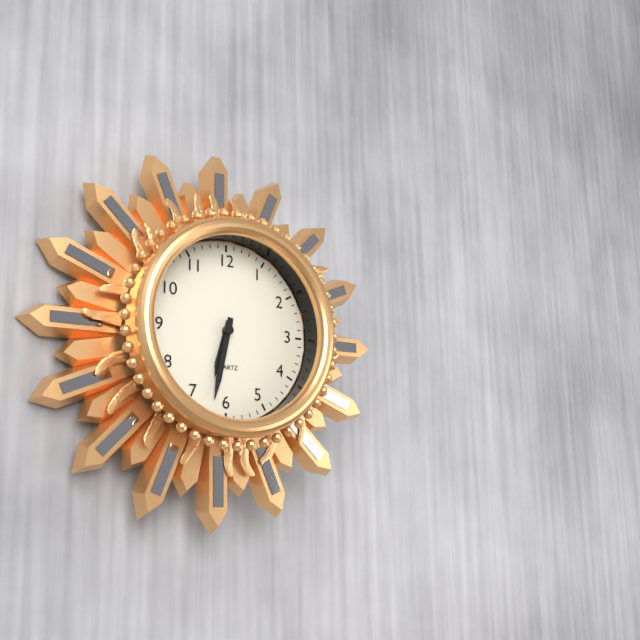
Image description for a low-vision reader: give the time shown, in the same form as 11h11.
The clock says 6h32
